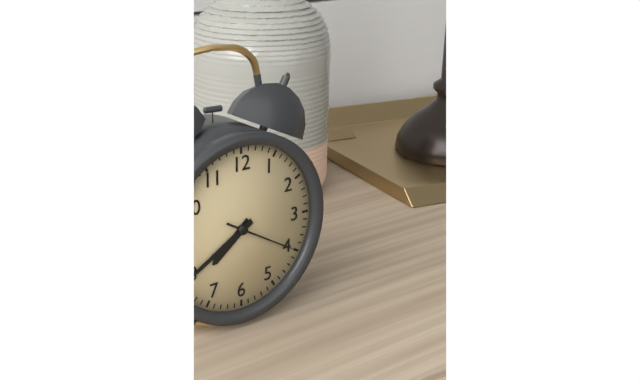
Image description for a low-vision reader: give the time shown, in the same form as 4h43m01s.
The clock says 7h40m20s
